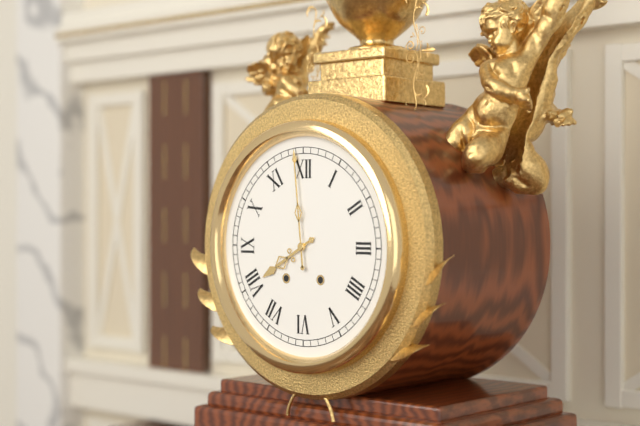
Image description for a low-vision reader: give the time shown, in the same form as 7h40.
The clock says 7h59
